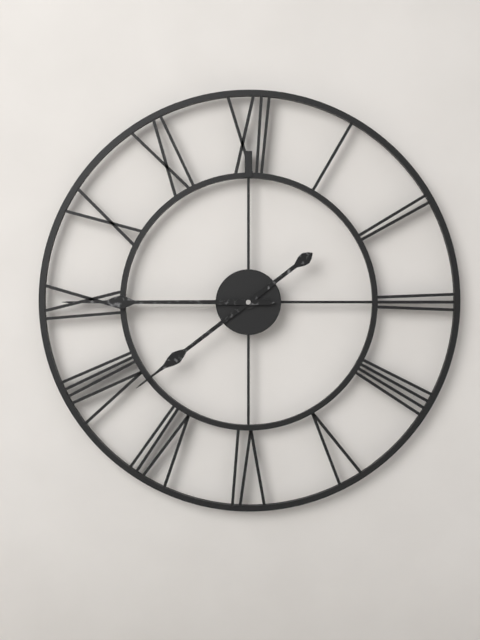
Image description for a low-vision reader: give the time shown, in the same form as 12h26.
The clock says 7h45
